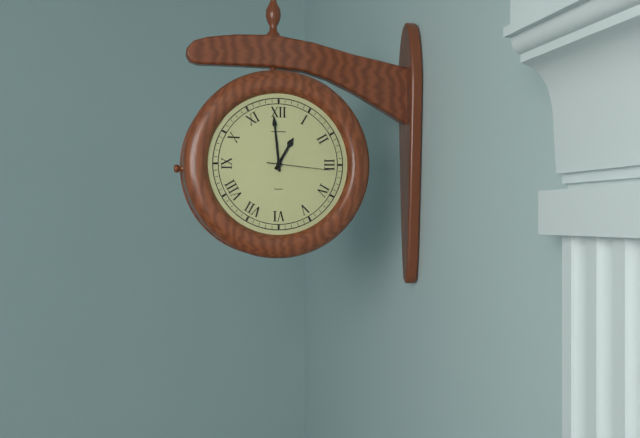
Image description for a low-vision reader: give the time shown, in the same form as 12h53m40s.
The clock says 12h59m16s
